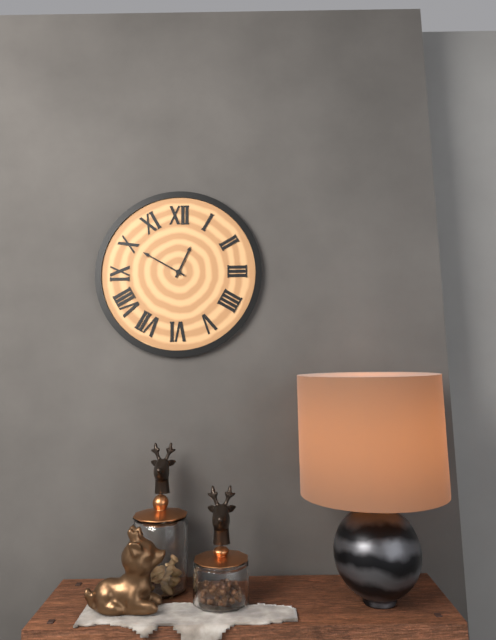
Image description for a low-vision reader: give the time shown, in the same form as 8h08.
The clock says 12h50
